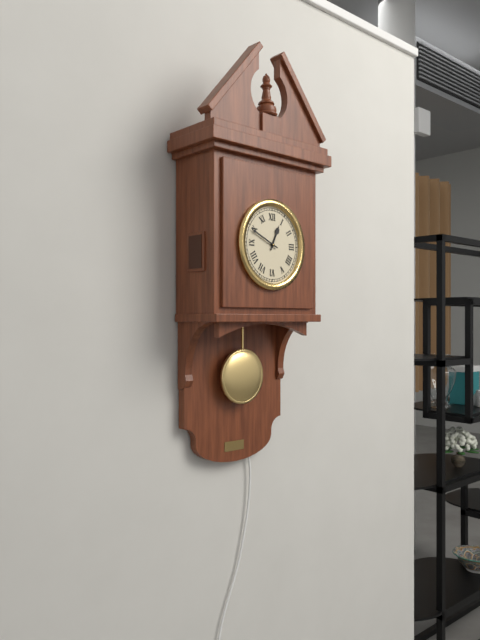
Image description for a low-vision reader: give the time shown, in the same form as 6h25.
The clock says 12h49
